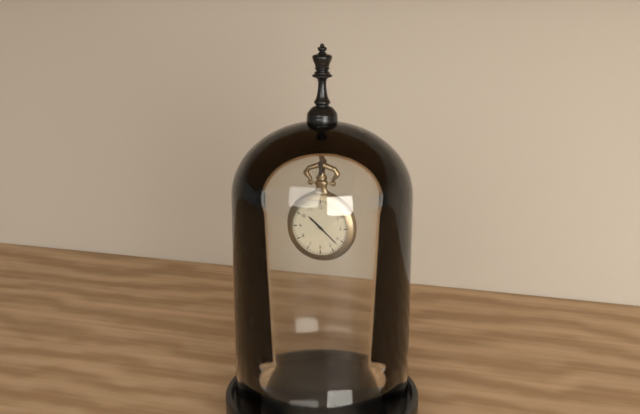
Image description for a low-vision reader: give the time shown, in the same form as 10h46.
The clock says 10h22
